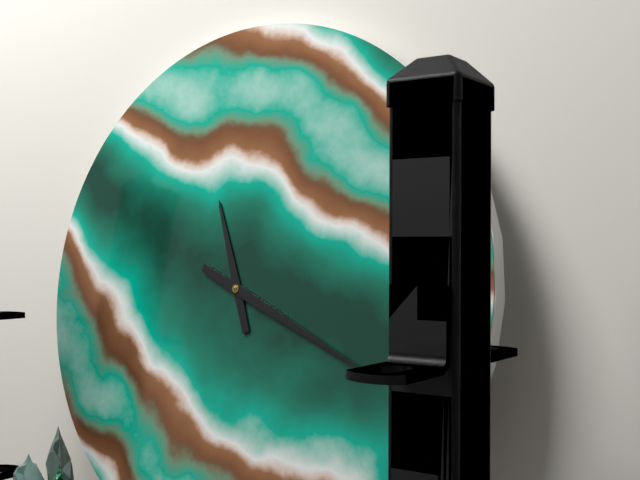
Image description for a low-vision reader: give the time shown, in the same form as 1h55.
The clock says 11h19
